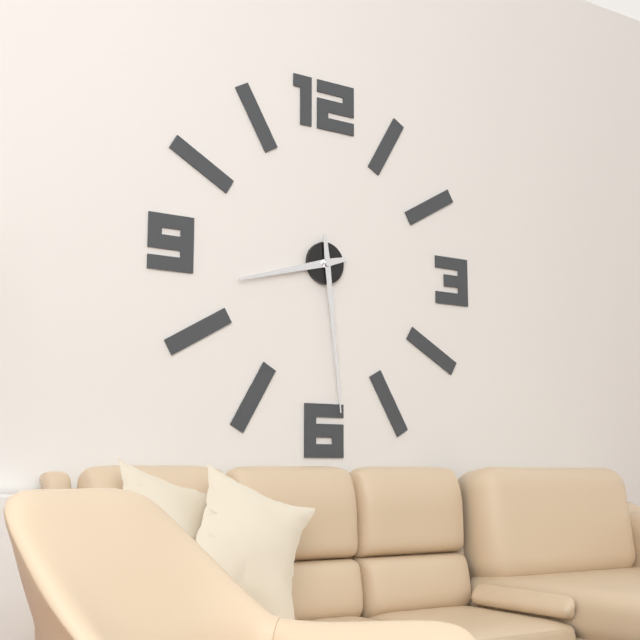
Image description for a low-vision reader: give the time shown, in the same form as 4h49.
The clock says 8h29
